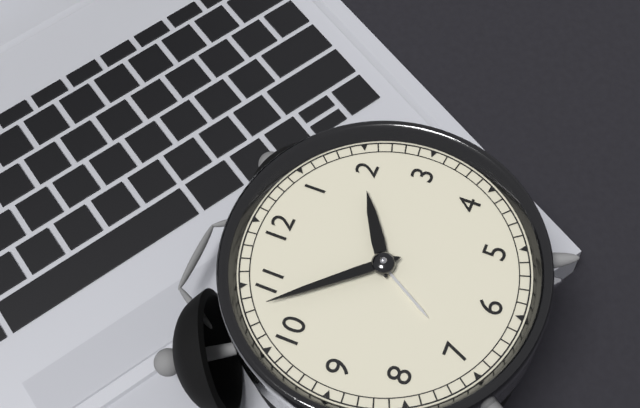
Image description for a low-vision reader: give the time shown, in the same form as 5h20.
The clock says 1h53
